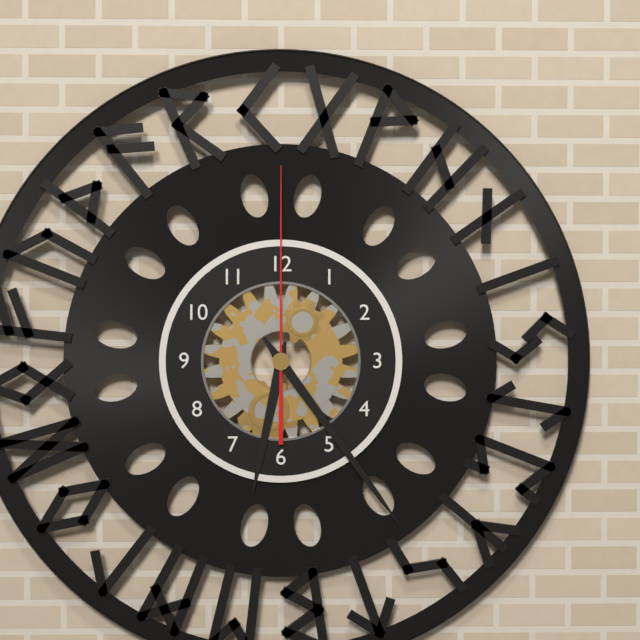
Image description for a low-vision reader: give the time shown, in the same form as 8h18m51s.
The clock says 6h24m00s
